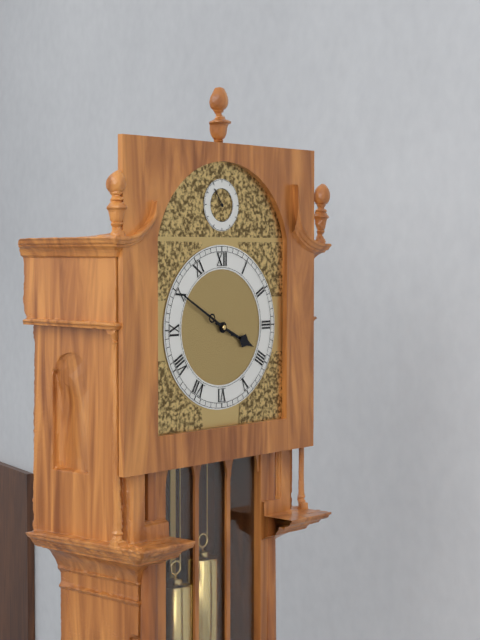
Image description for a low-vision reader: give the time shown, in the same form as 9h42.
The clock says 3h50
